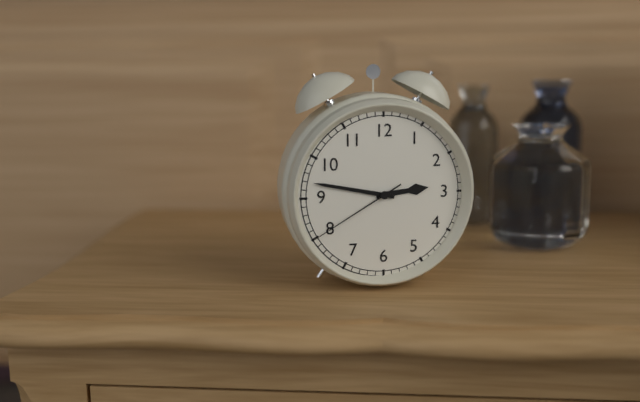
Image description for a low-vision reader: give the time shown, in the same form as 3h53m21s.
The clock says 2h47m40s
